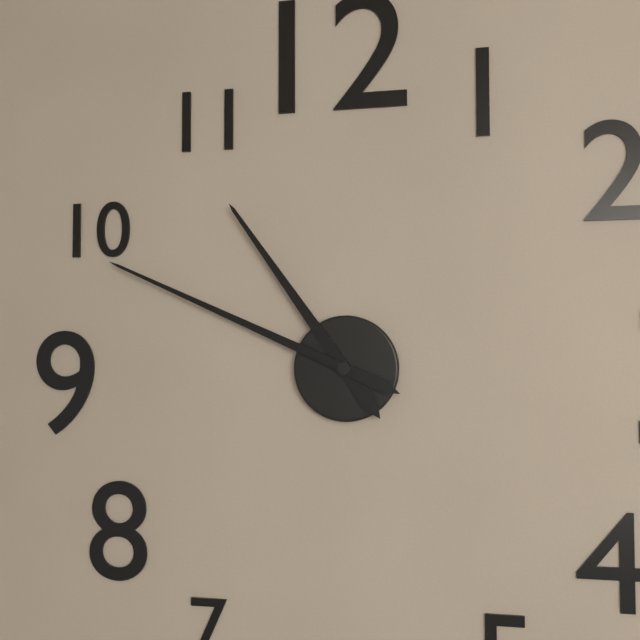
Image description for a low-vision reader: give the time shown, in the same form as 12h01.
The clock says 10h49
